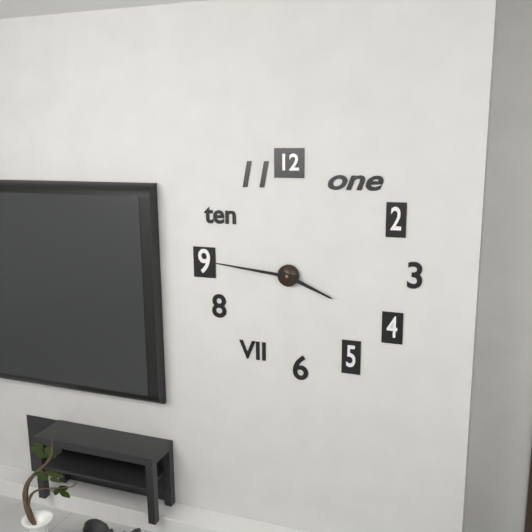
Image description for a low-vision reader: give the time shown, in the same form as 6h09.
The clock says 3h46
